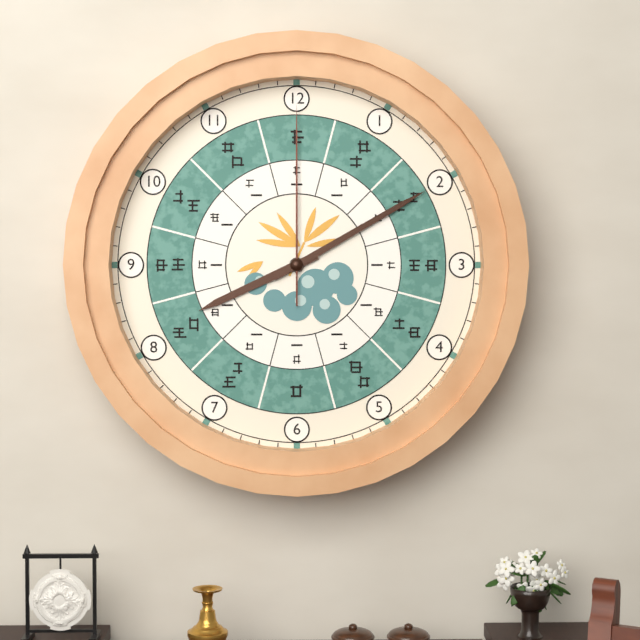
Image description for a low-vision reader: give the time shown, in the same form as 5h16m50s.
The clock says 8h10m00s
